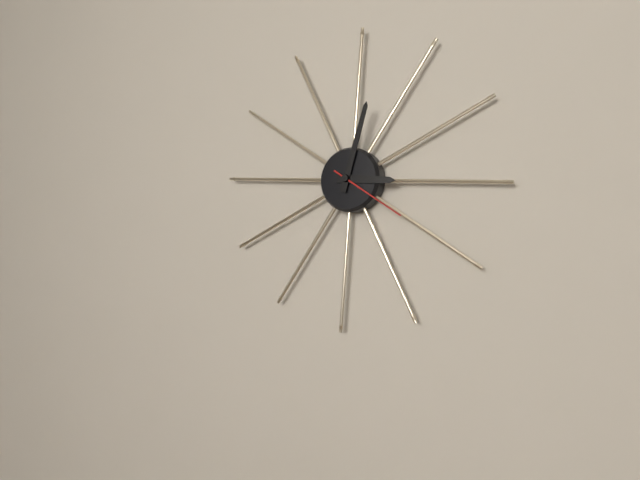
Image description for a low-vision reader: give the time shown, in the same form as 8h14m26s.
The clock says 3h02m20s
